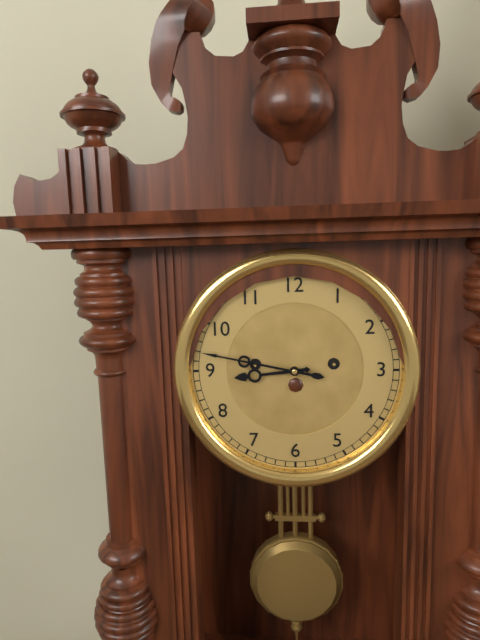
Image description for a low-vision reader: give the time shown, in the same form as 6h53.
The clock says 8h47
